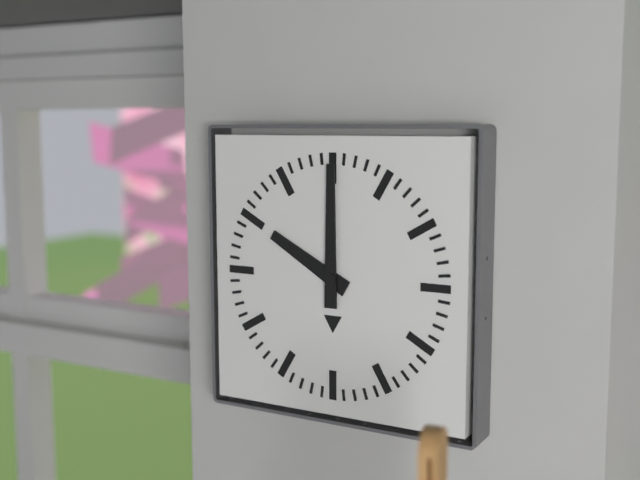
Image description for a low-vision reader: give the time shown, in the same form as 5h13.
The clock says 10h00
